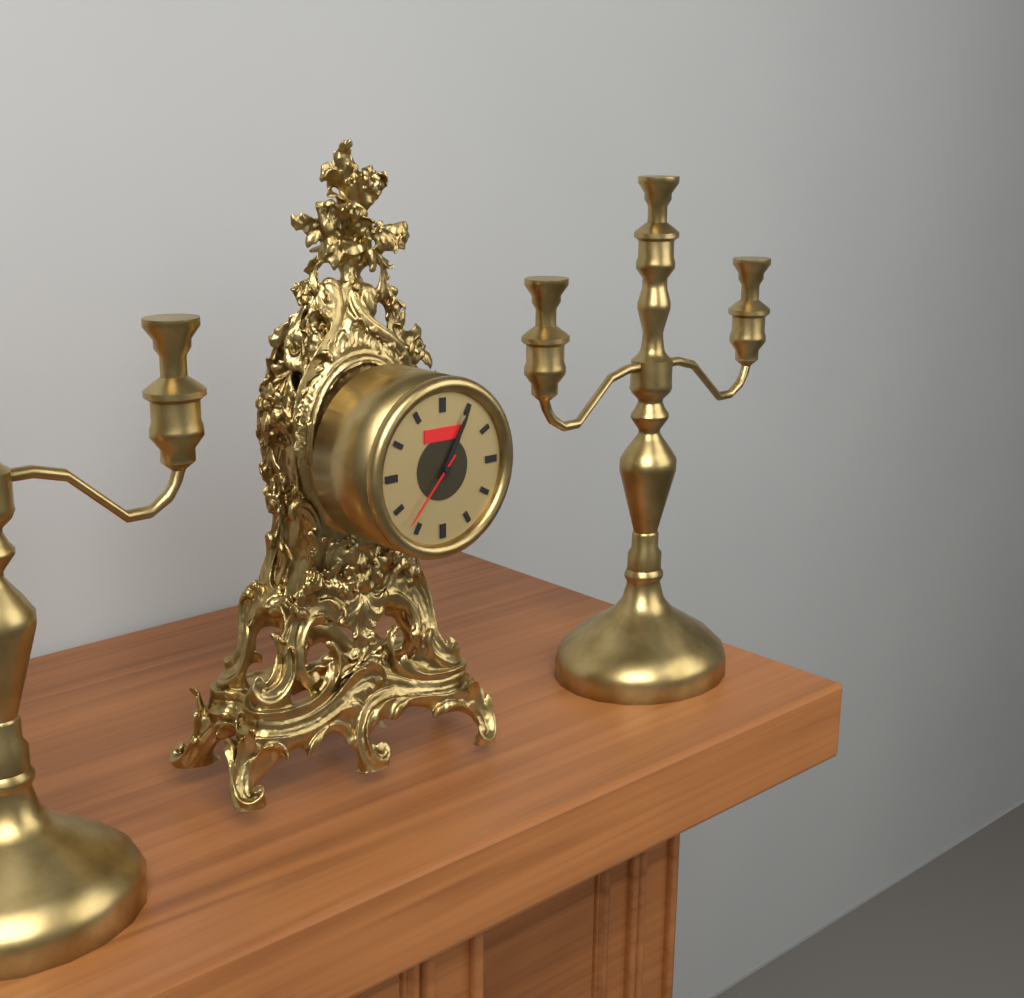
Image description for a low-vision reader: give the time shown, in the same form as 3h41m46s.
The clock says 1h05m37s
